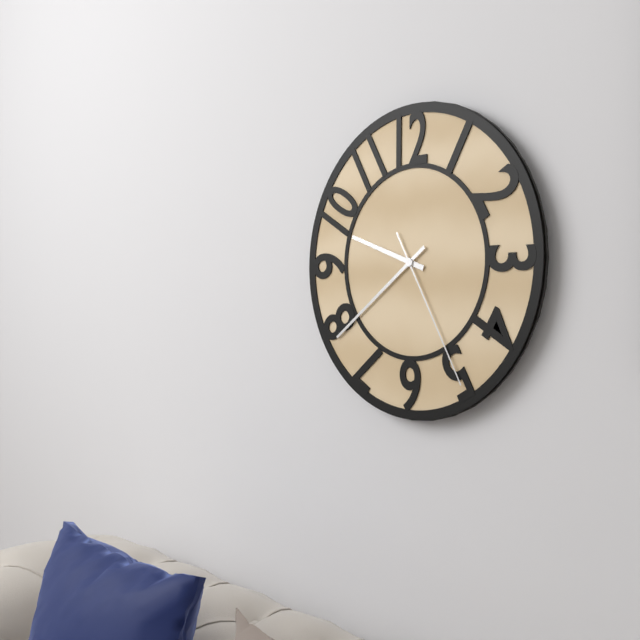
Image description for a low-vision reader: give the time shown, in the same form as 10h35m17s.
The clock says 9h39m25s
